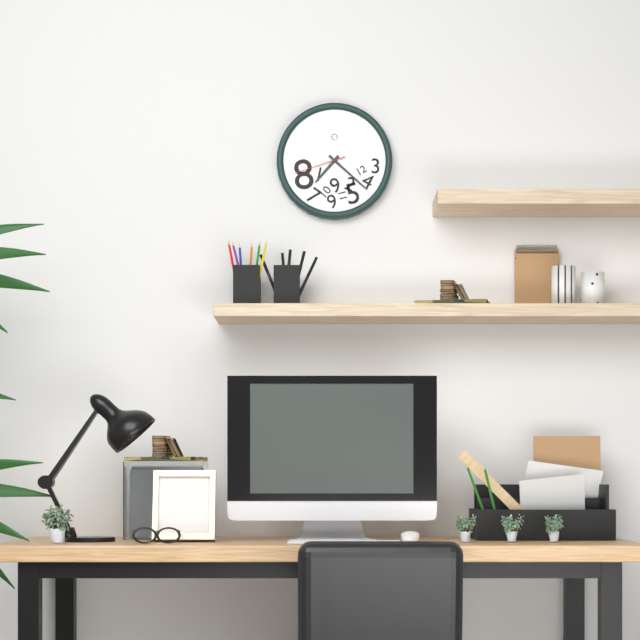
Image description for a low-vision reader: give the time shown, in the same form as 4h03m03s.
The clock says 7h22m42s
